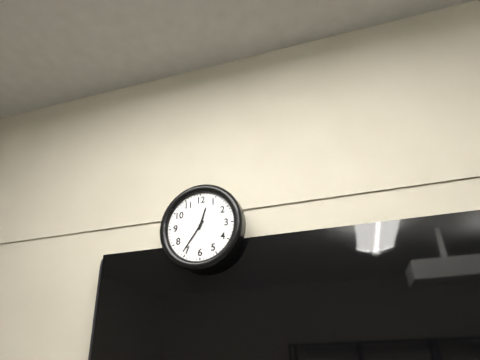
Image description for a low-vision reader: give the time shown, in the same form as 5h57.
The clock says 12h36
